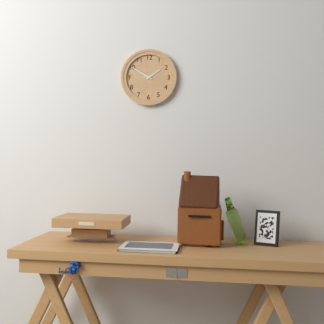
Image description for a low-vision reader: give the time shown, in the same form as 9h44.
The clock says 1h50
